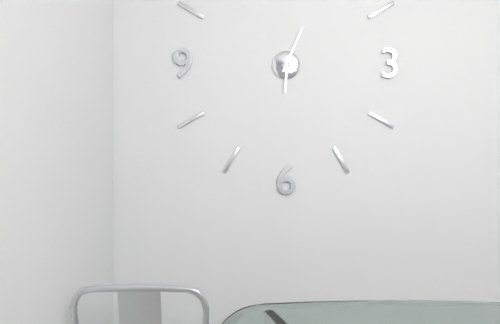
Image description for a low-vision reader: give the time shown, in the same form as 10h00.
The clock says 6h04
